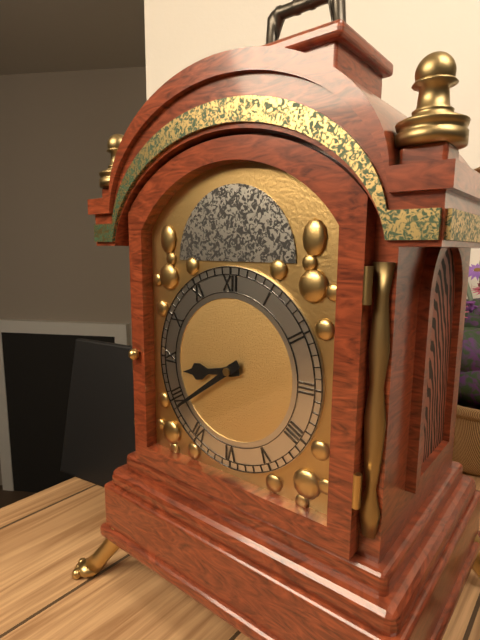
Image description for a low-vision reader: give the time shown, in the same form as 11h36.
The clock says 8h39
